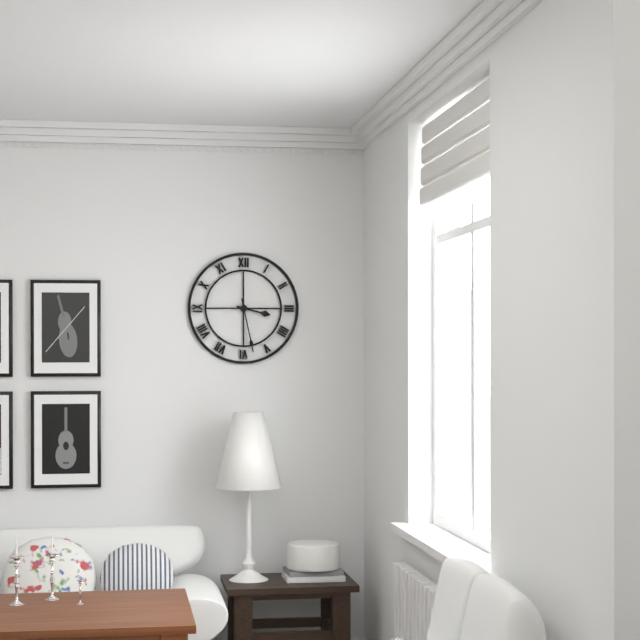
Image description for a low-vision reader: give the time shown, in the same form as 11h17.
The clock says 3h28
